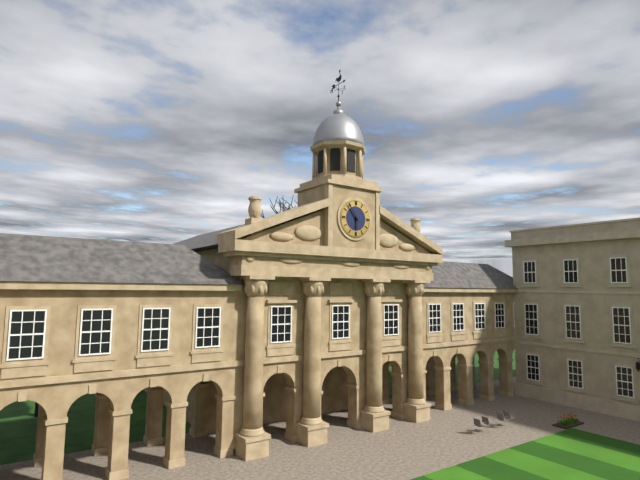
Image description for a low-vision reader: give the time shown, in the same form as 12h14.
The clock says 5h54
